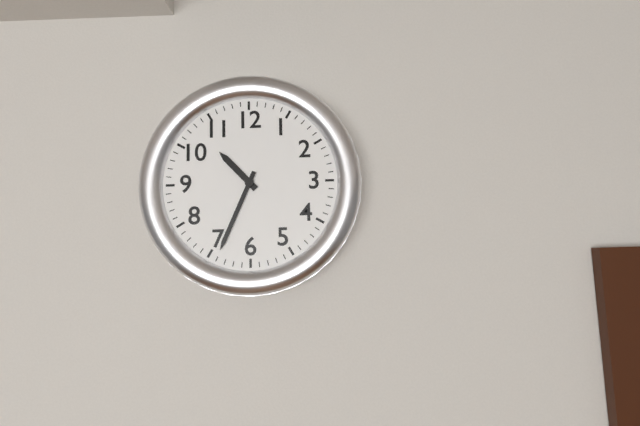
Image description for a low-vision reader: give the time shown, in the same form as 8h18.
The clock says 10h34
